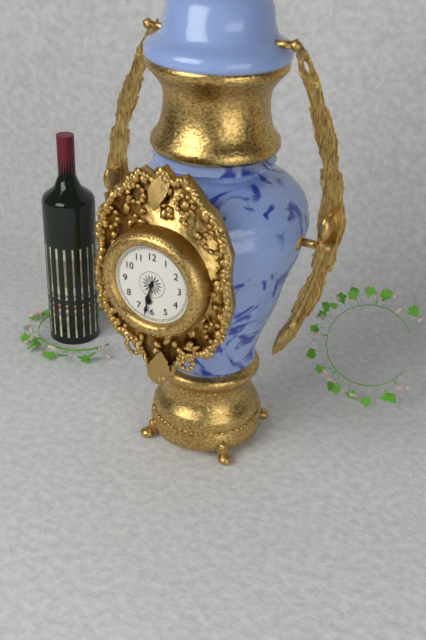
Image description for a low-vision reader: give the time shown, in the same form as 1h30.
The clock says 6h32
